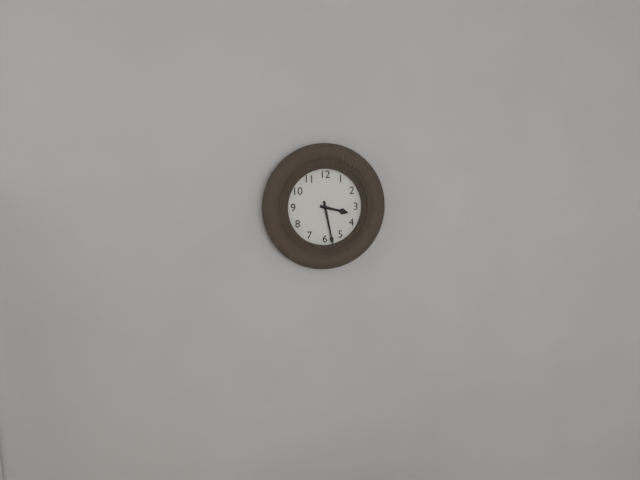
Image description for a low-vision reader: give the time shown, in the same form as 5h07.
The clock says 3h28
